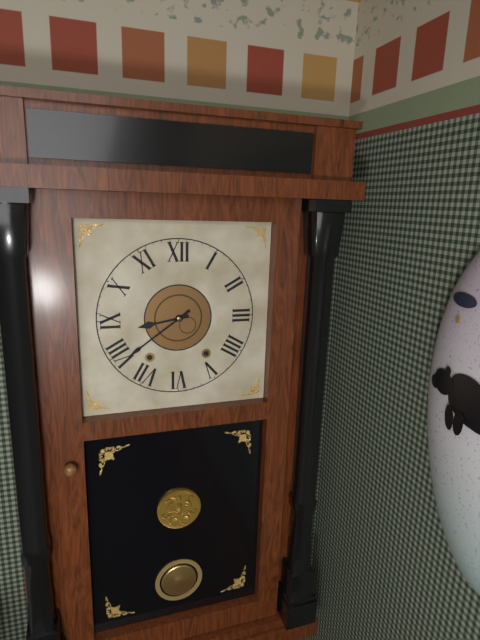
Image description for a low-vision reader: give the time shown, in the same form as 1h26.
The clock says 8h39
